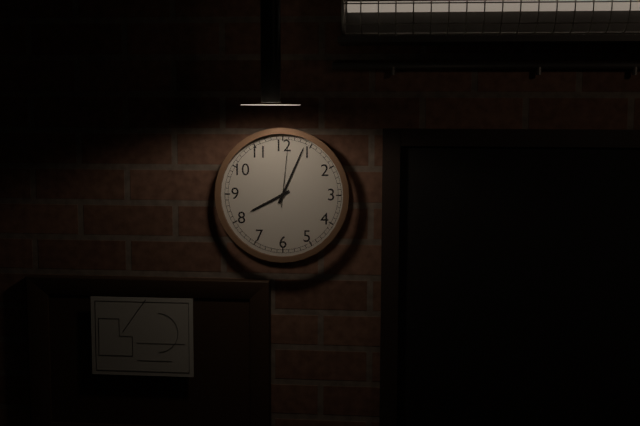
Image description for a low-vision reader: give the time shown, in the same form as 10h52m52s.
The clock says 8h04m01s
